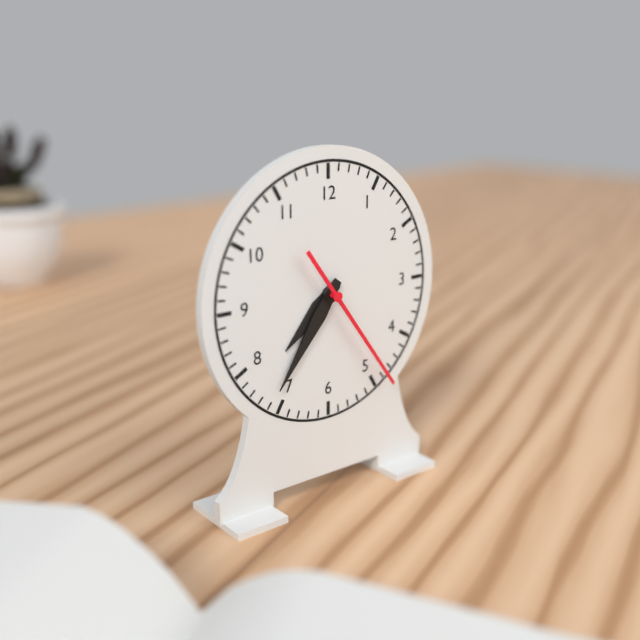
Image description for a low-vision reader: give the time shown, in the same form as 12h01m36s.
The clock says 7h36m24s
